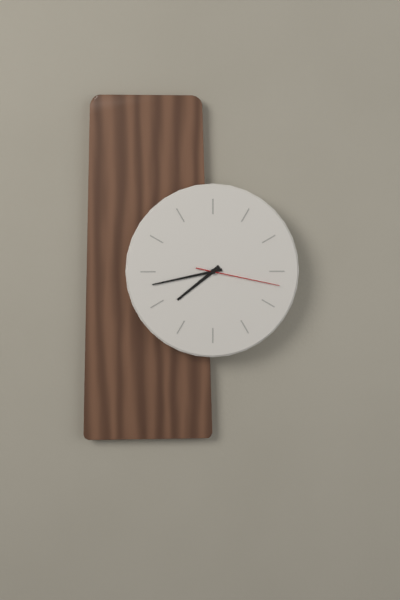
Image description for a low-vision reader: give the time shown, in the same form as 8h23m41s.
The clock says 7h43m17s
